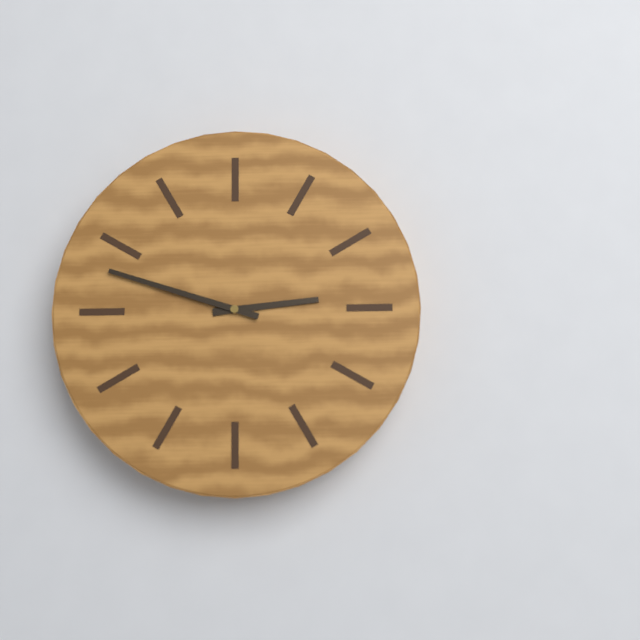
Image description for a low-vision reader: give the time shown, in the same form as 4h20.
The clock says 2h48
